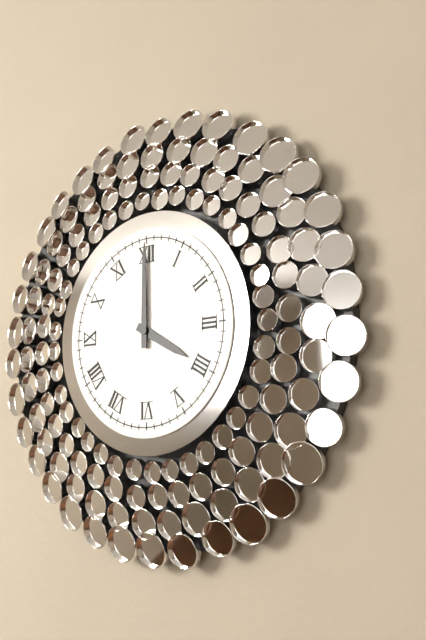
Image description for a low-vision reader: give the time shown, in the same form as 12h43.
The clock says 4h00
